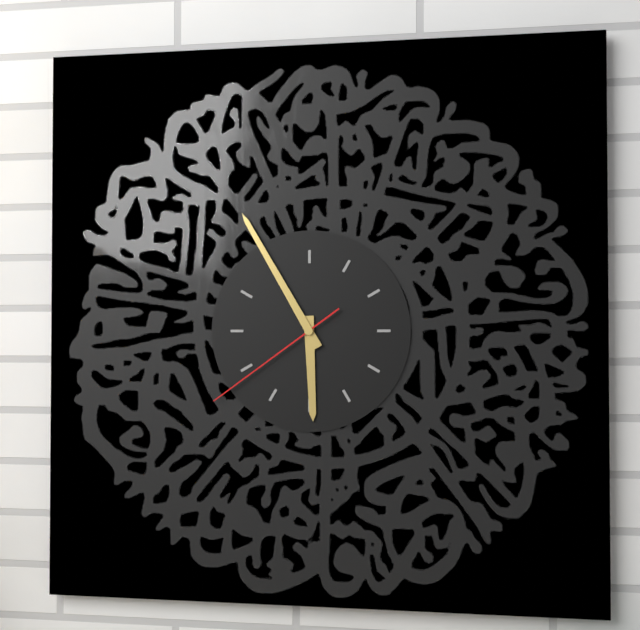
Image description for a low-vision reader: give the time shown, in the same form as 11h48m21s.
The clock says 5h55m39s
